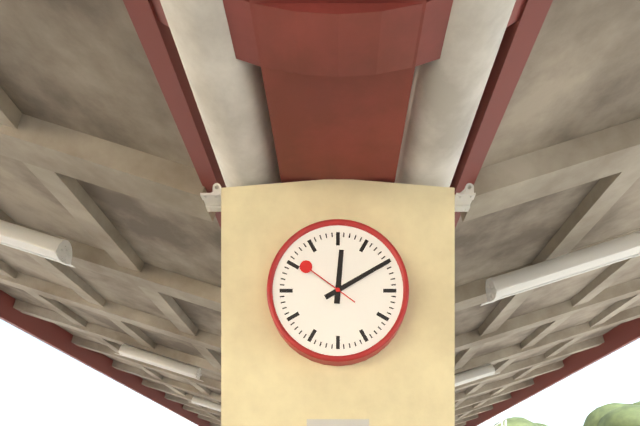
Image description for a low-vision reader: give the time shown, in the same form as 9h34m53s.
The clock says 12h10m51s
